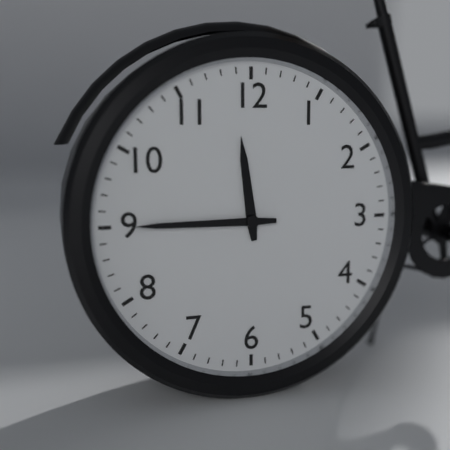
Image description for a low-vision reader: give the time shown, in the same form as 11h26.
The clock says 11h45
